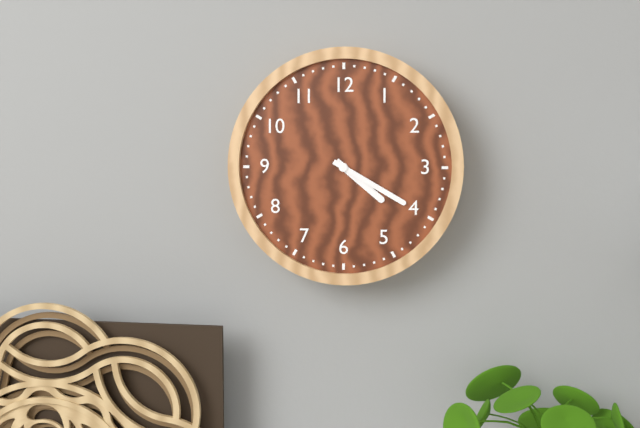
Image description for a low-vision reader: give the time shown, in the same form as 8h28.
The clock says 4h20
